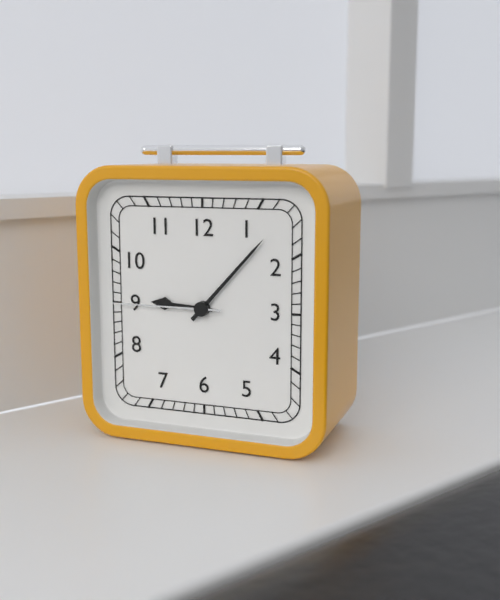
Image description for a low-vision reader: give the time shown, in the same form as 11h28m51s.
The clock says 9h07m45s
